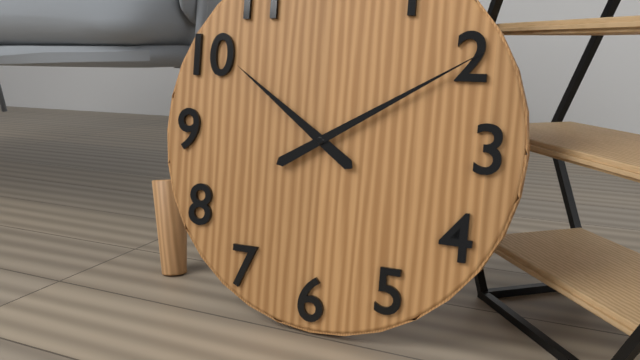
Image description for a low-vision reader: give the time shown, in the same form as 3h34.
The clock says 10h10
